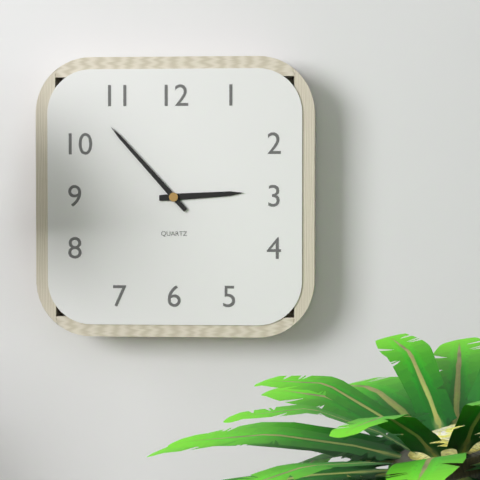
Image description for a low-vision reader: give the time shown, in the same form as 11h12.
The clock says 2h53
